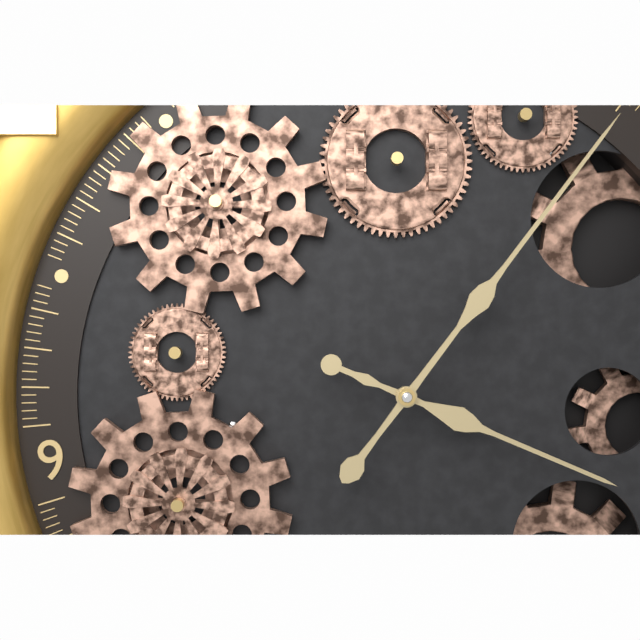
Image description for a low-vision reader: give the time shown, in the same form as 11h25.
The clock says 4h08
